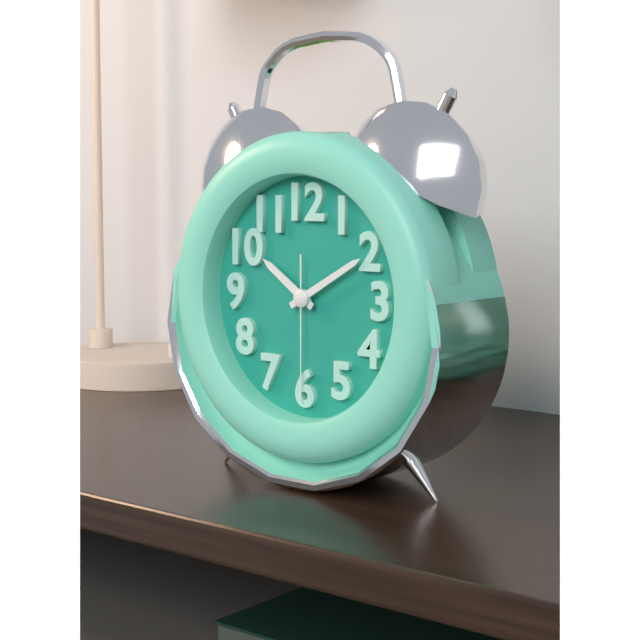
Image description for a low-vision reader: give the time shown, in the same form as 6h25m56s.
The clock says 10h10m30s
